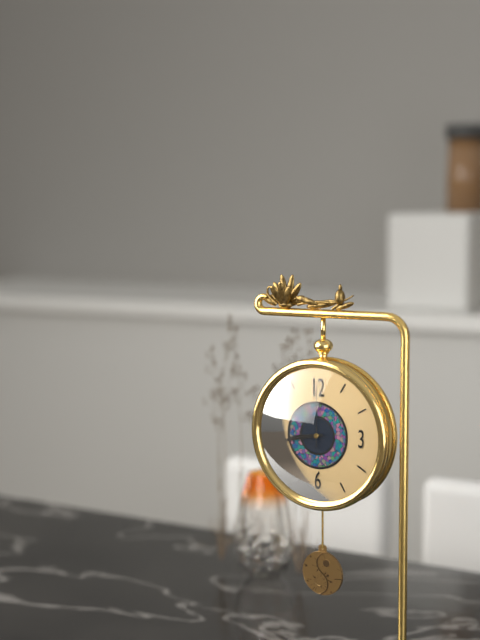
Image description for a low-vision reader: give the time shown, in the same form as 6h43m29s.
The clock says 8h43m00s
